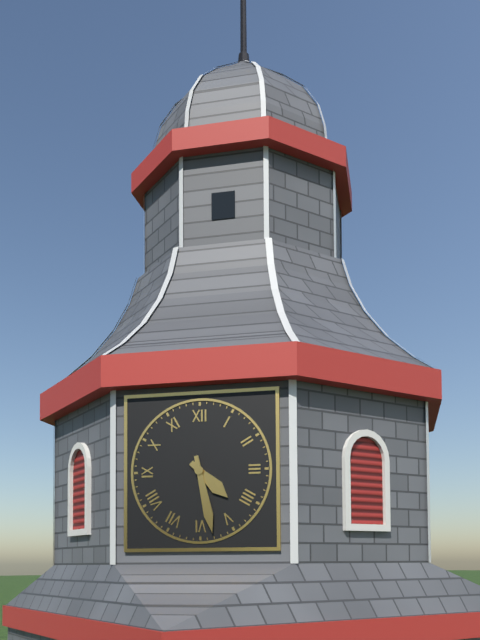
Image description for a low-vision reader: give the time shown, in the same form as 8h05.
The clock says 4h28
